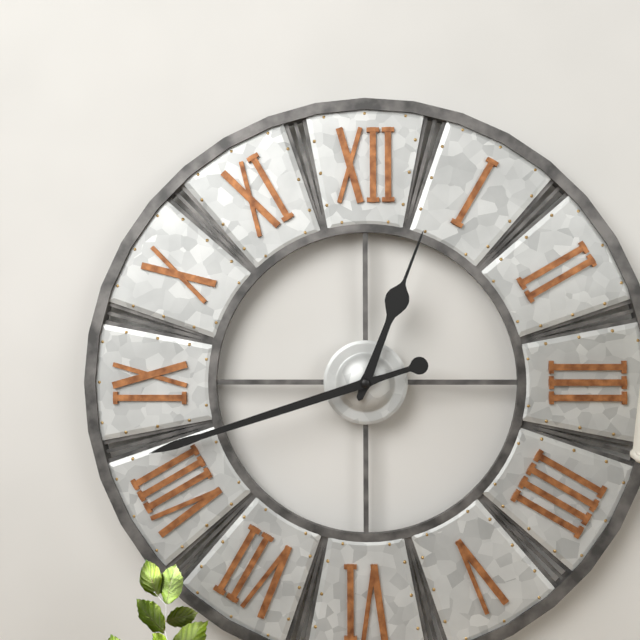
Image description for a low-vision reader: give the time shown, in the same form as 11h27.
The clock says 12h42
